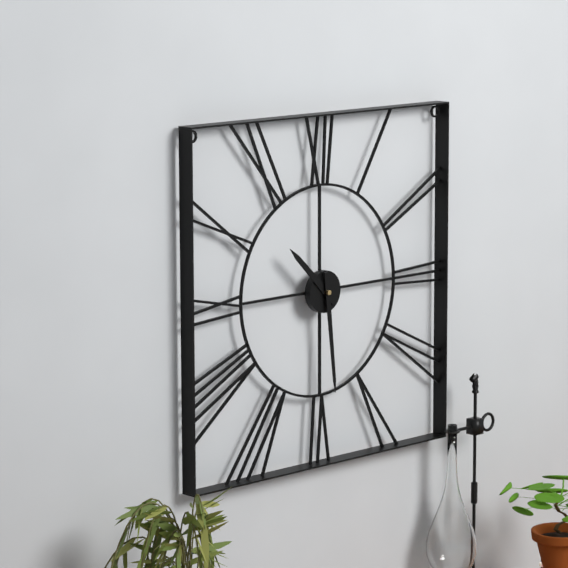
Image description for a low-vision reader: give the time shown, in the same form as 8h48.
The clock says 10h29
